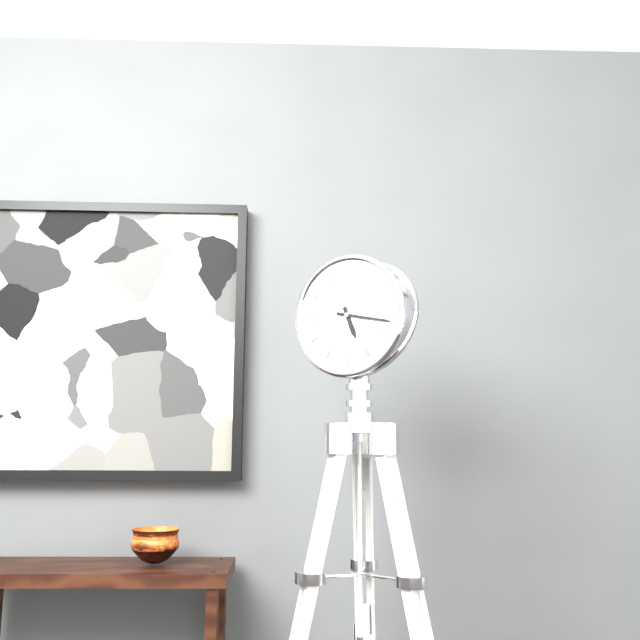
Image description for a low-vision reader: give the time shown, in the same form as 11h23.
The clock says 5h17
